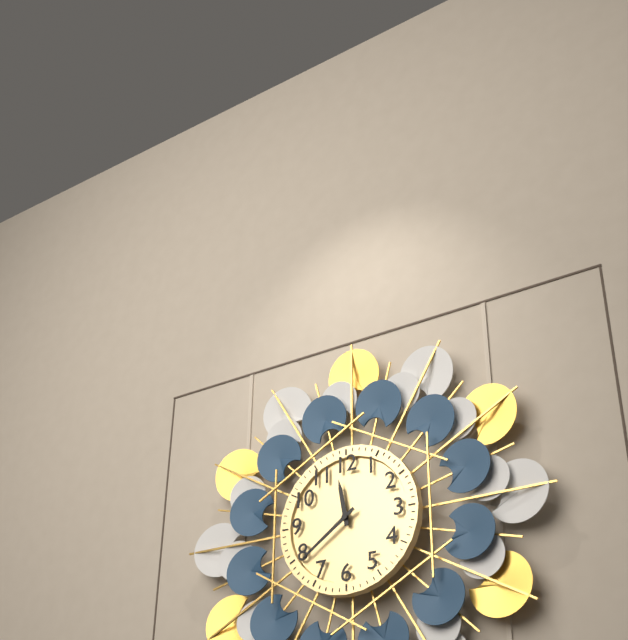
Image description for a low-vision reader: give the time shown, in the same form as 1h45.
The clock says 11h39
